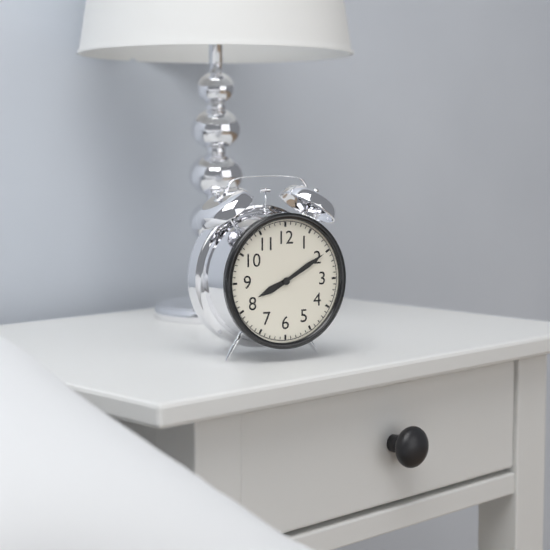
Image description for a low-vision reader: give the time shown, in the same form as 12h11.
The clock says 8h10
